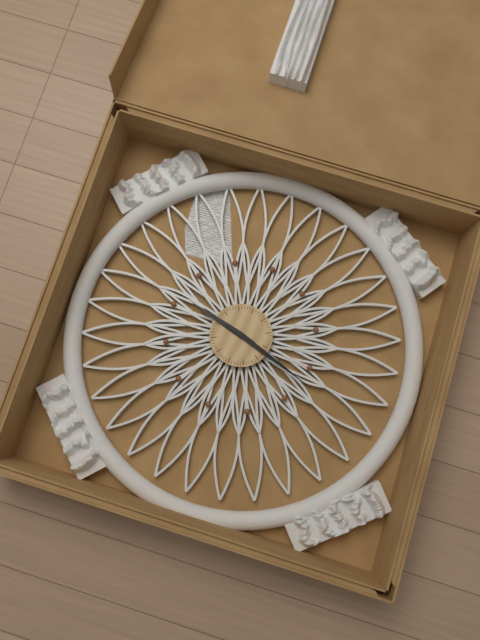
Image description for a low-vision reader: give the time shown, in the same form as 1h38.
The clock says 9h17
